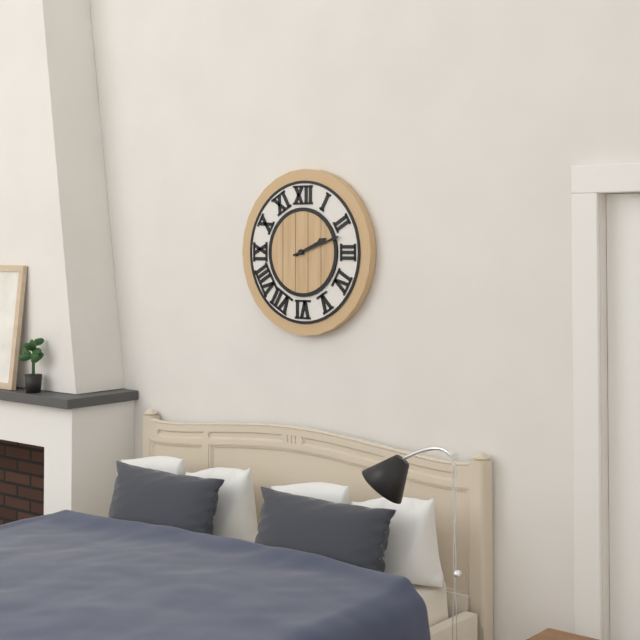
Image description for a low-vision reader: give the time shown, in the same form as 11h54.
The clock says 2h12
